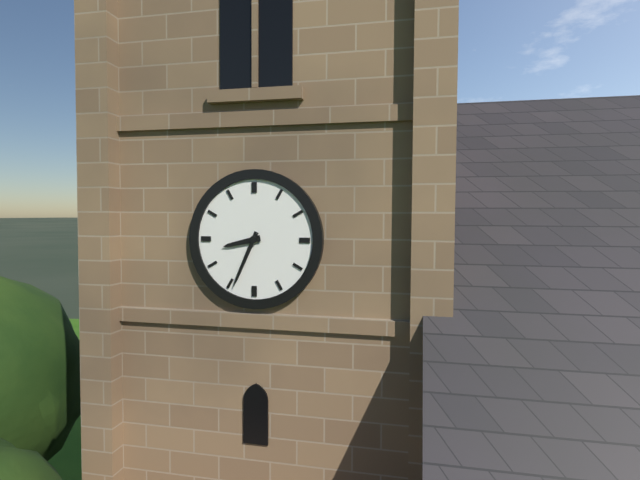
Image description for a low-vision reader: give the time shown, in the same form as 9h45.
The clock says 8h34
